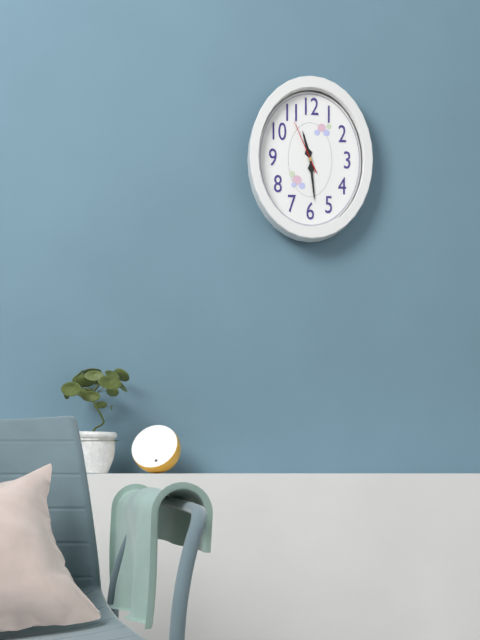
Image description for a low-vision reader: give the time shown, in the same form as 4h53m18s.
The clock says 11h29m56s
